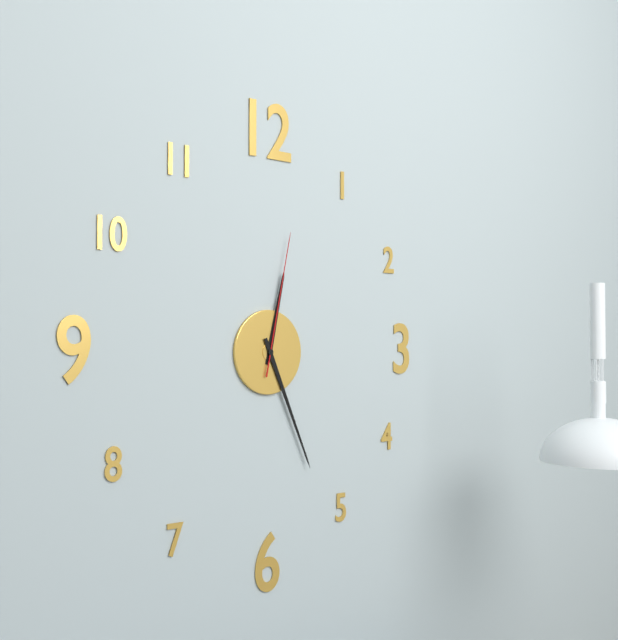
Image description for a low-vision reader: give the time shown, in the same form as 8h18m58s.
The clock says 12h26m02s
